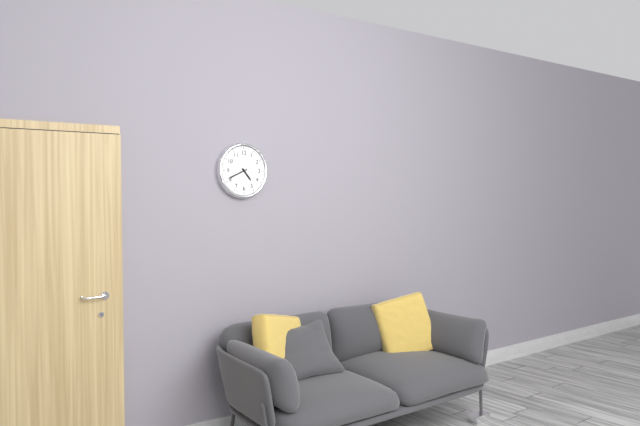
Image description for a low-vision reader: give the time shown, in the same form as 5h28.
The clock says 4h41
